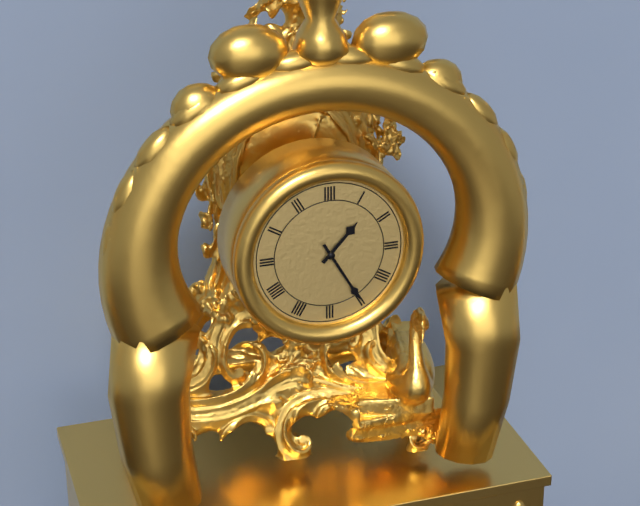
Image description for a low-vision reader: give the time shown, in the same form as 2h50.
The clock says 1h25
